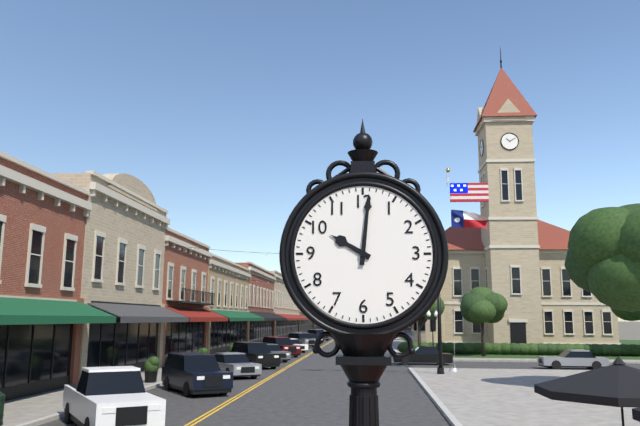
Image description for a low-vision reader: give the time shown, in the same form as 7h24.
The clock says 10h01
